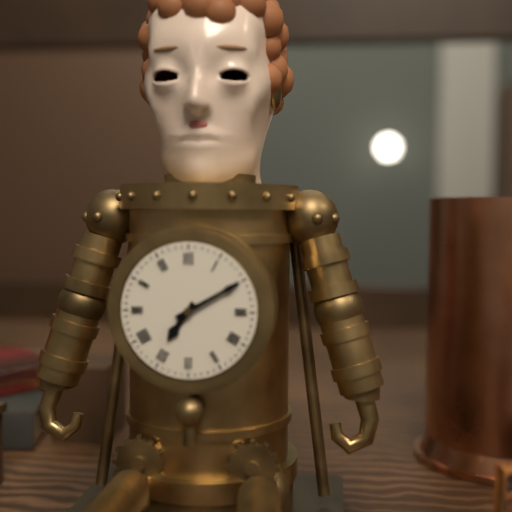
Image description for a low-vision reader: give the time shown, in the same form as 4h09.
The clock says 7h10
